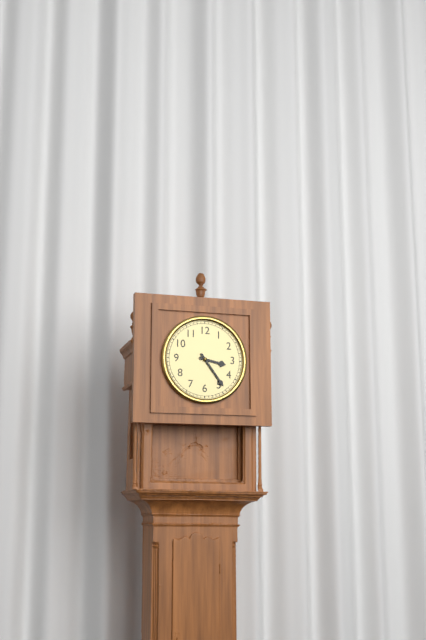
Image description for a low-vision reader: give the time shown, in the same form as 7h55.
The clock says 3h24
